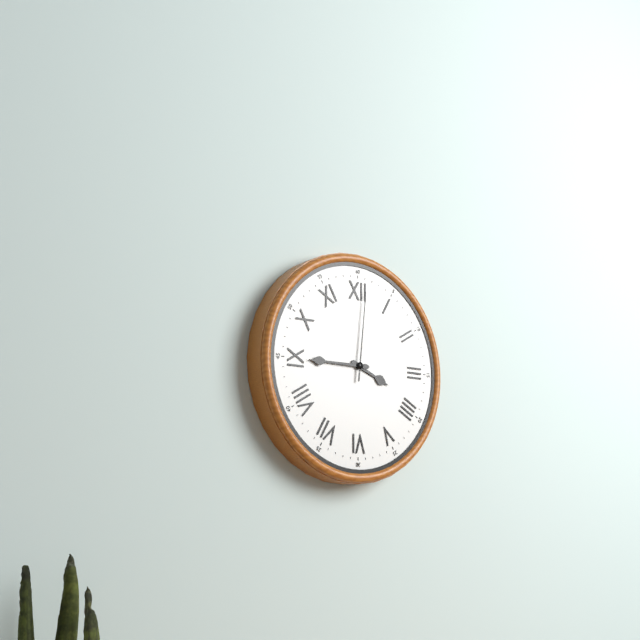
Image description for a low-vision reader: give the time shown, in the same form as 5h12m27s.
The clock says 3h45m01s
